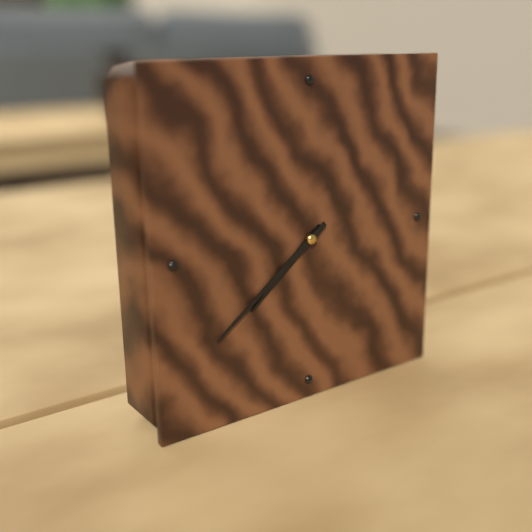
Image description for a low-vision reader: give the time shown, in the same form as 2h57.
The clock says 7h39
